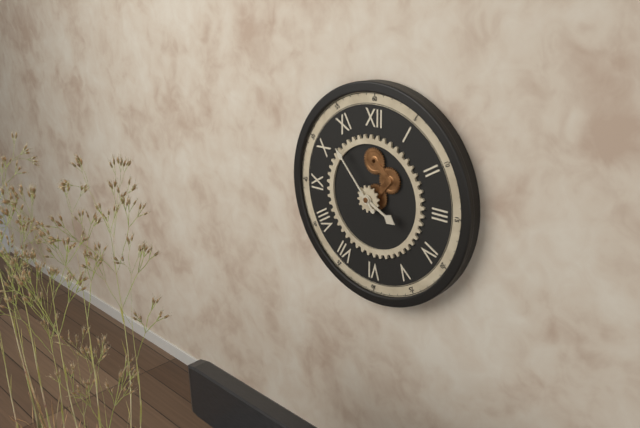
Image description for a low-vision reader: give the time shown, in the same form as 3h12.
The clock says 3h53
